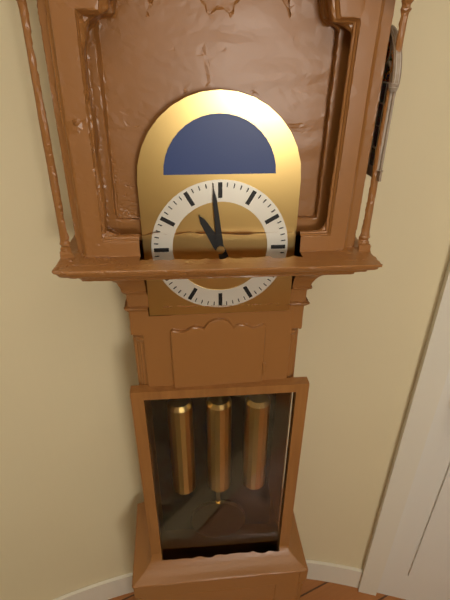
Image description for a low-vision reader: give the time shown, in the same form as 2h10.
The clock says 10h59
